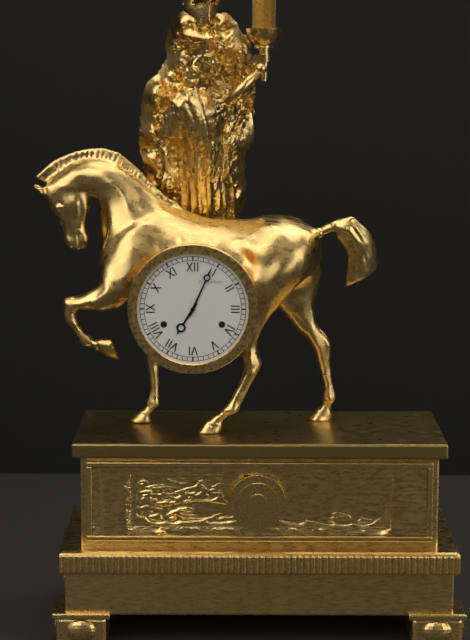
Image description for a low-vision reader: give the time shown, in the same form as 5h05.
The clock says 7h04
